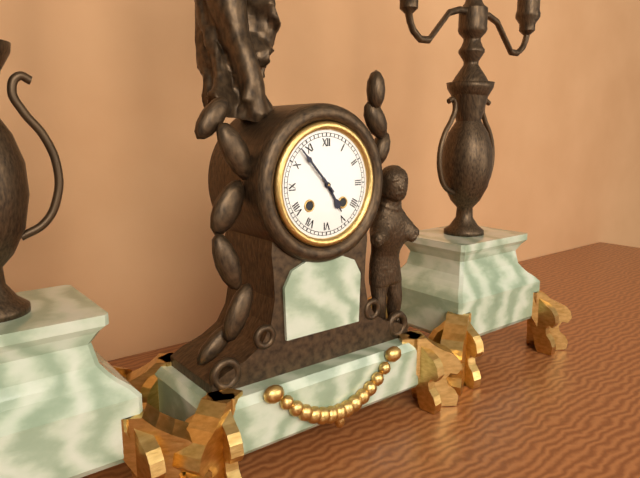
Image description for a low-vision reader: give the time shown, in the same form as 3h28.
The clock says 4h53
